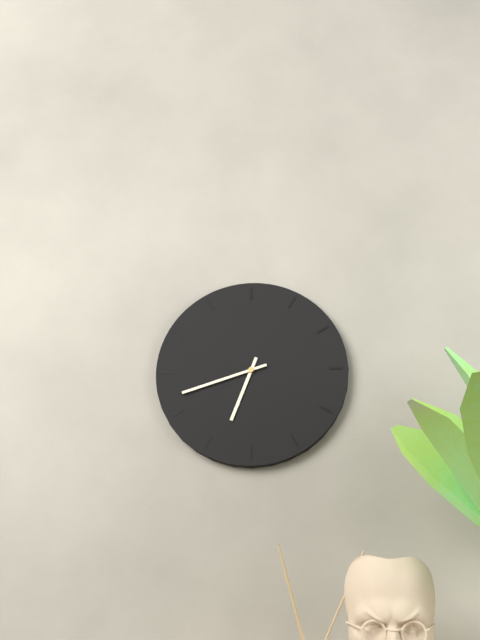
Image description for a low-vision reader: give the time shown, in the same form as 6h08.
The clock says 6h42
